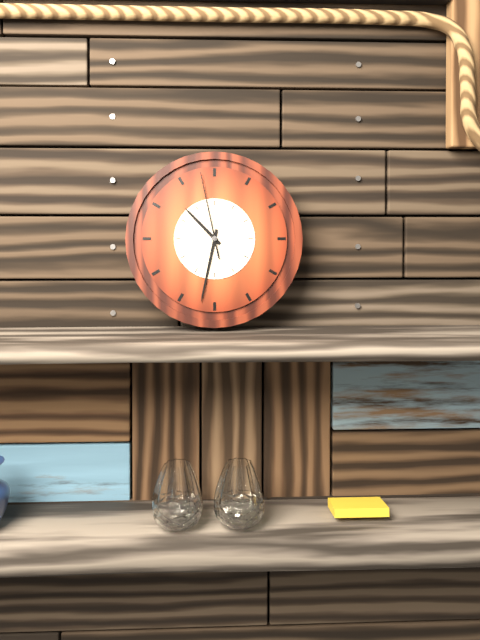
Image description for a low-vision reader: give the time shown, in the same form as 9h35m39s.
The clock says 10h32m58s
